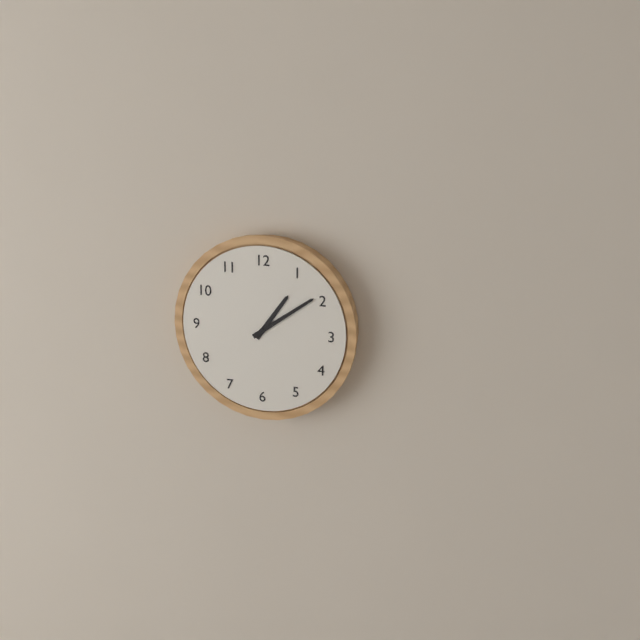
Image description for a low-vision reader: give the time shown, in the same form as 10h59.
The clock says 1h09
